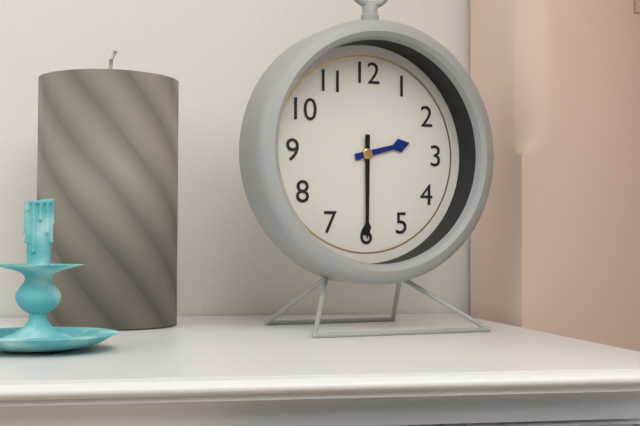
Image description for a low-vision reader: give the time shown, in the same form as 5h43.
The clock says 2h30
